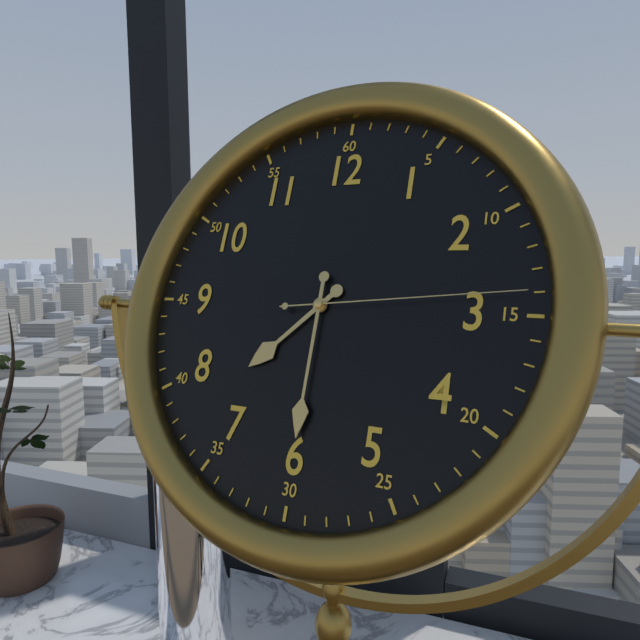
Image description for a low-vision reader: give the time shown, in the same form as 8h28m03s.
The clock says 7h30m14s
